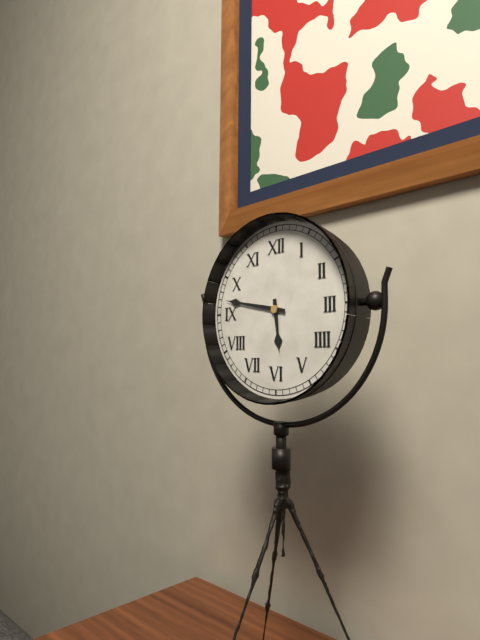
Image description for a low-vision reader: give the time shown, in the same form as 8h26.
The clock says 5h47
